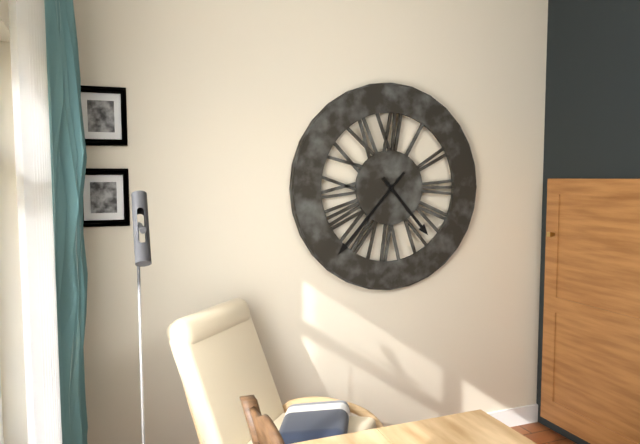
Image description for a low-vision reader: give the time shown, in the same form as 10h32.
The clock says 4h37
